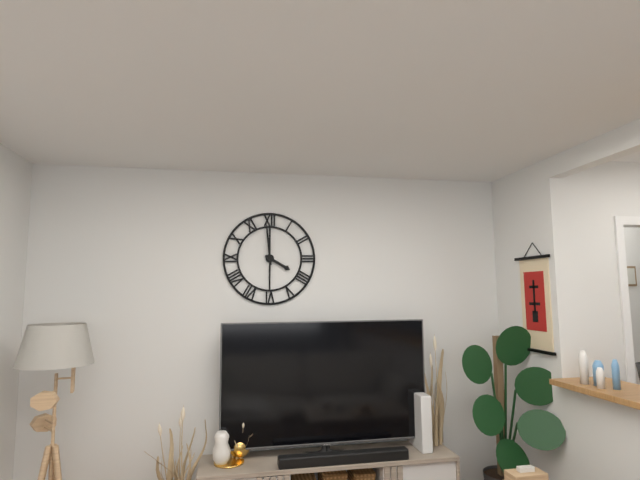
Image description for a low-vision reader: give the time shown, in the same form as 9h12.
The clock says 3h59
